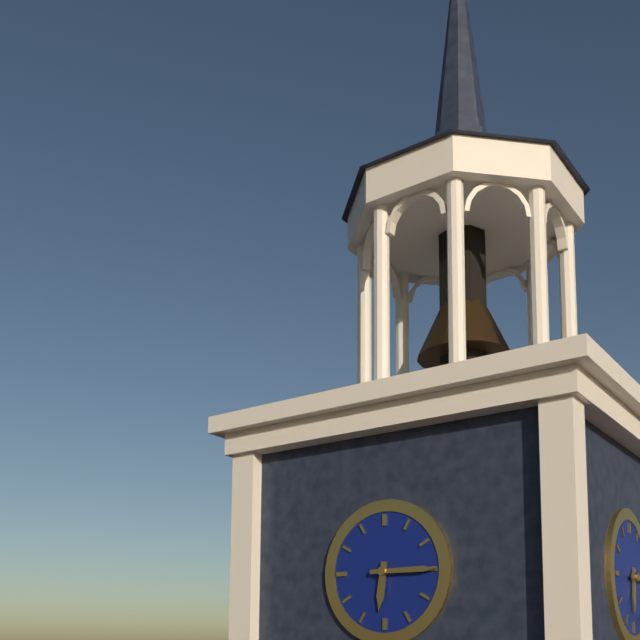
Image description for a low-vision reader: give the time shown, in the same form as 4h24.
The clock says 6h15
